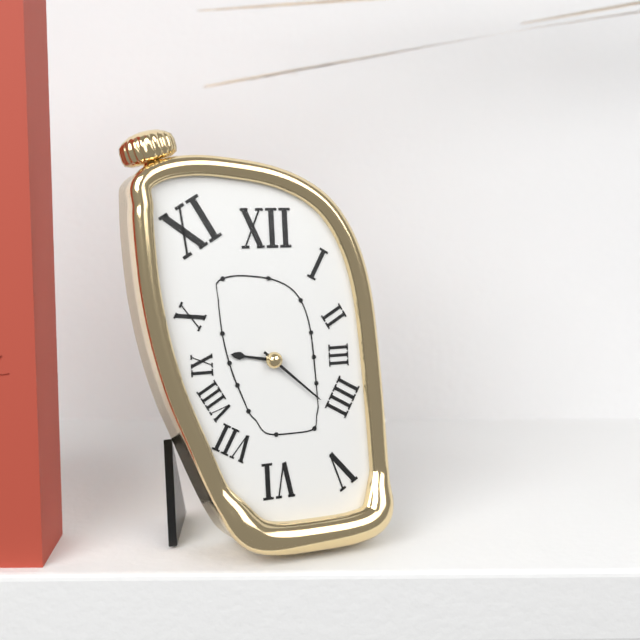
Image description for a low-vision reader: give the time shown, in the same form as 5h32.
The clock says 9h22
